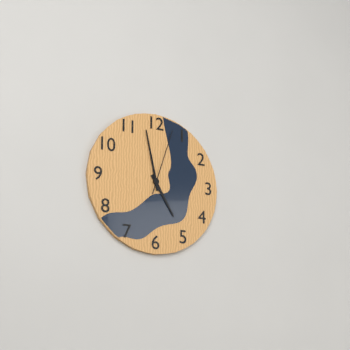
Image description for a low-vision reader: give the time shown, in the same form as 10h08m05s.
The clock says 4h58m03s
